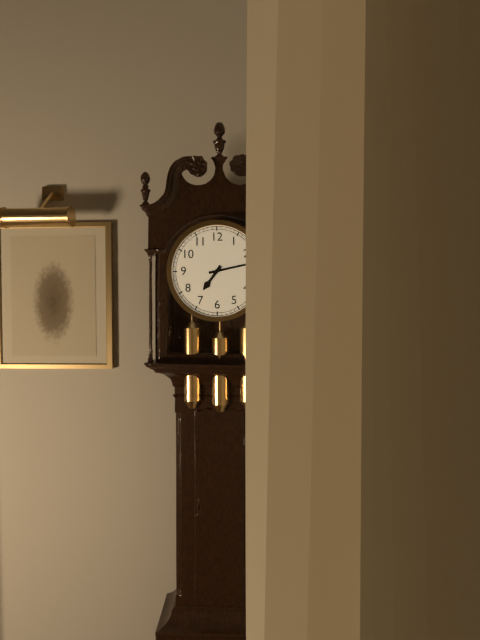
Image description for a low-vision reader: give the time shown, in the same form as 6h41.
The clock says 7h13
